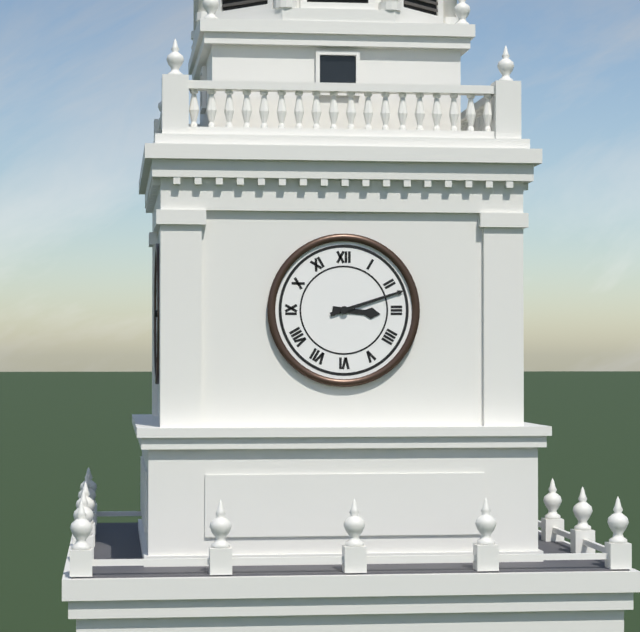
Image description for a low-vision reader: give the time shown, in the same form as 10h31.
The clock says 3h12
